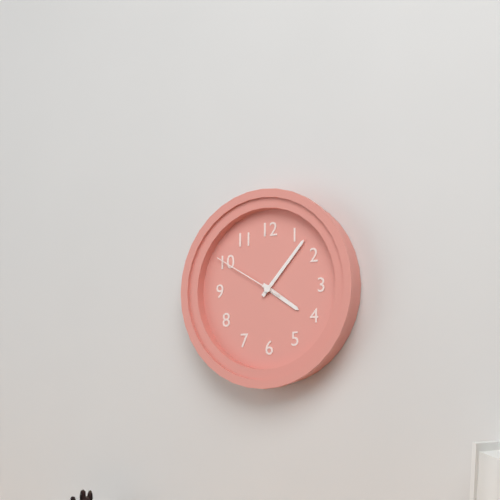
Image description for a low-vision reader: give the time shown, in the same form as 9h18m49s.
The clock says 4h07m50s
